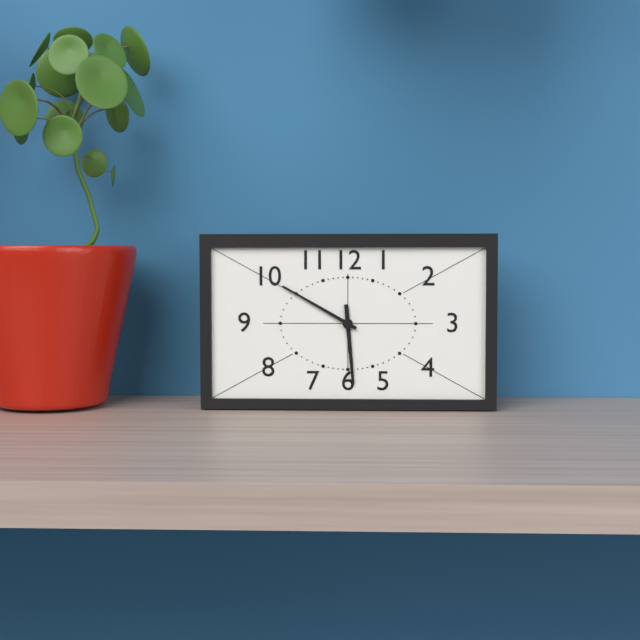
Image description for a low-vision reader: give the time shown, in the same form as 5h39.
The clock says 5h50
